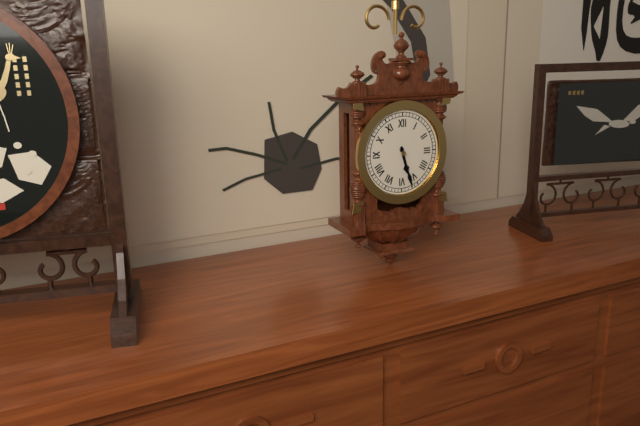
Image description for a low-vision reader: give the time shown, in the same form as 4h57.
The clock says 5h27
